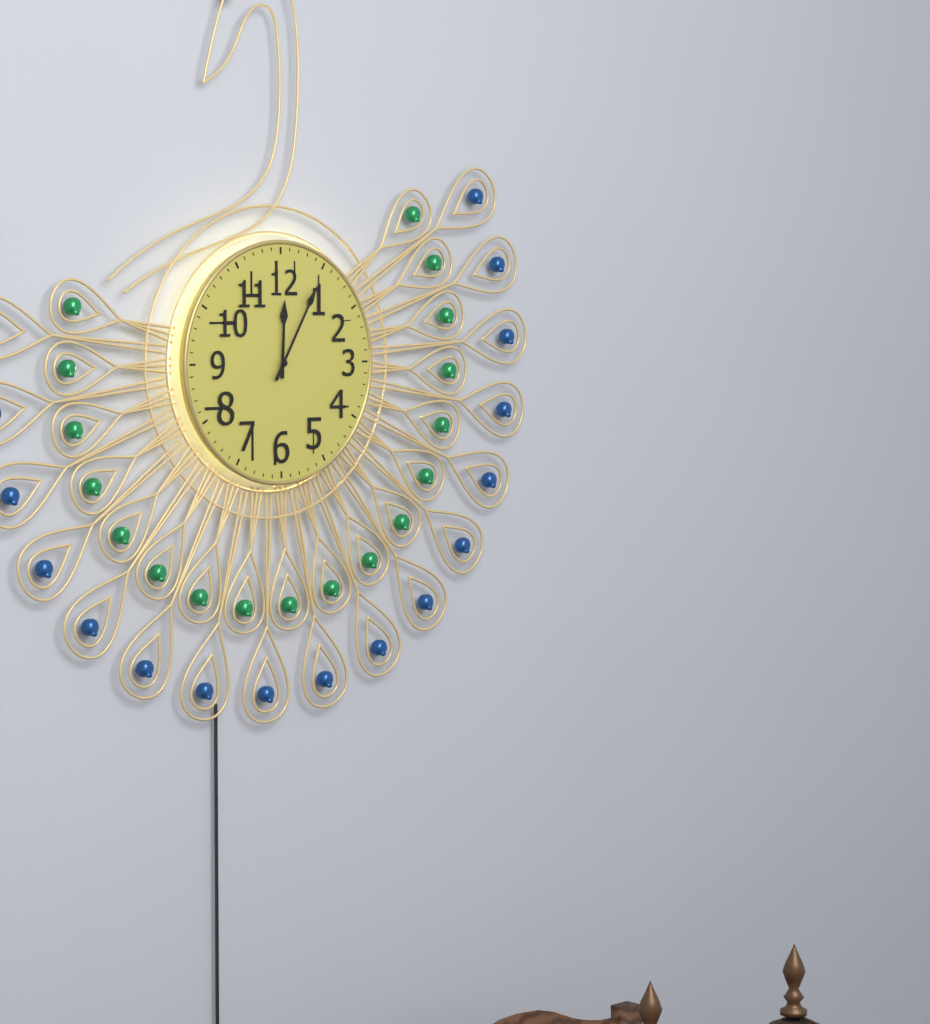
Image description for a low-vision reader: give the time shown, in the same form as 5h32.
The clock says 12h05
